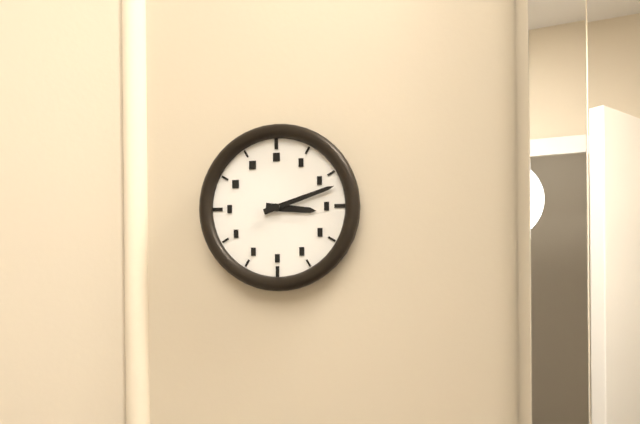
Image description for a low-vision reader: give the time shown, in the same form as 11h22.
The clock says 3h12
